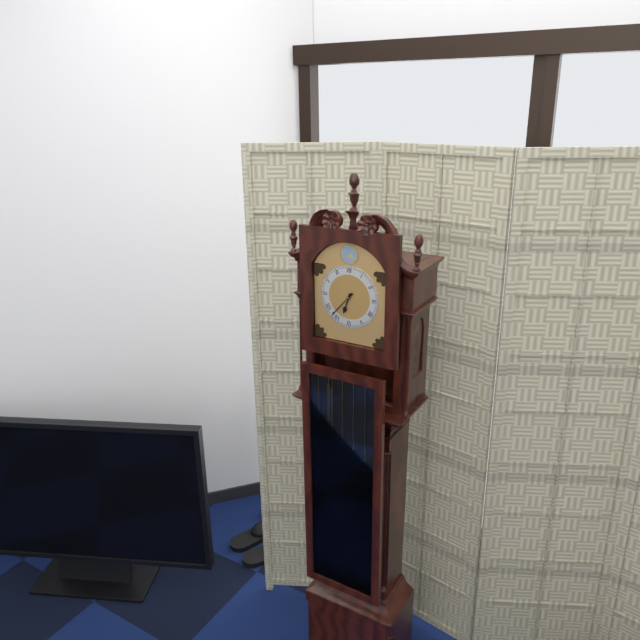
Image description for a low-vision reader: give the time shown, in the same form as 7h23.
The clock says 6h37
